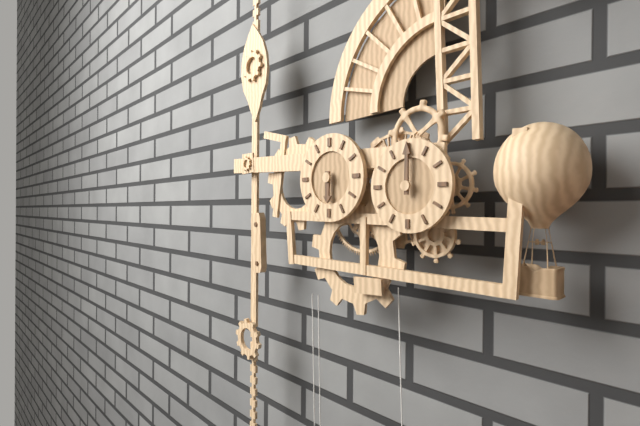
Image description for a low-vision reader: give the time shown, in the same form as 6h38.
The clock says 6h00
